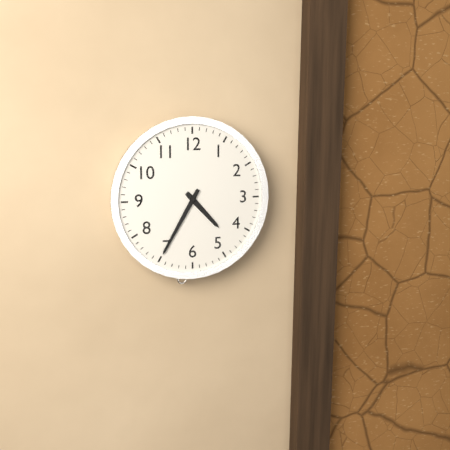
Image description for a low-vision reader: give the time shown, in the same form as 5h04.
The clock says 4h35
